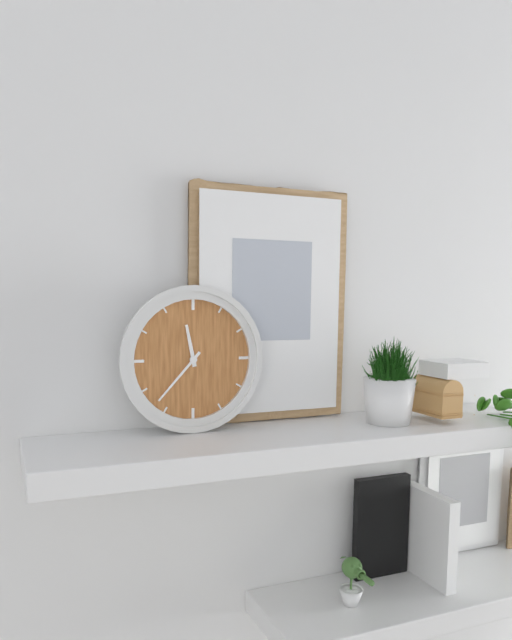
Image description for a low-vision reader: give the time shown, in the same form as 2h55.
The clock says 11h37
